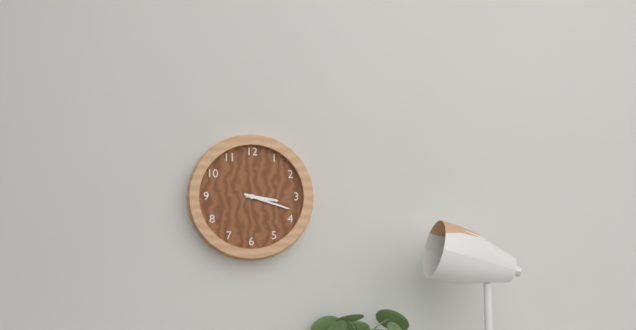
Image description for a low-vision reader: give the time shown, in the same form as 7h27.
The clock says 3h18
